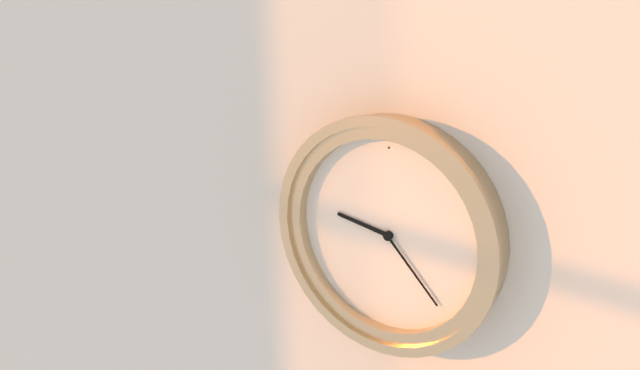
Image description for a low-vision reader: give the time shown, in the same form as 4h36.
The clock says 9h23
